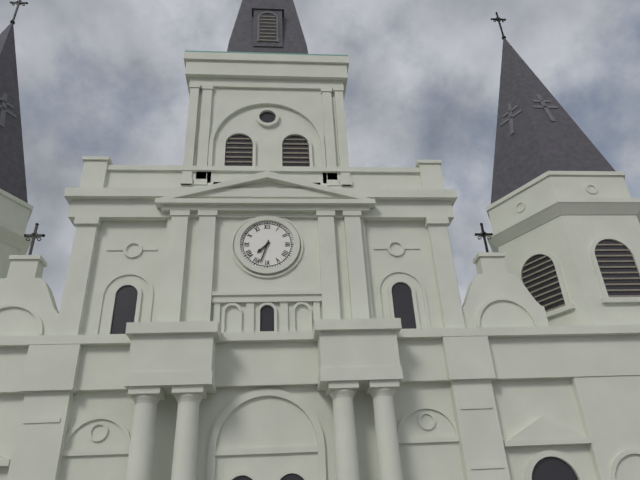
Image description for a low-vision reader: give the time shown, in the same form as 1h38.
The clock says 7h33
